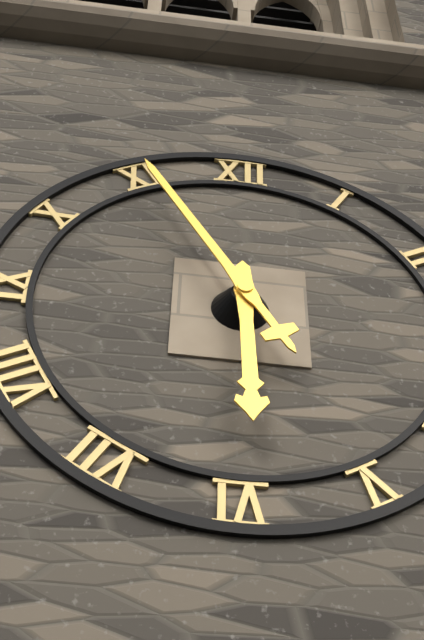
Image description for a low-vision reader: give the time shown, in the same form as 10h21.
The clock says 5h55
